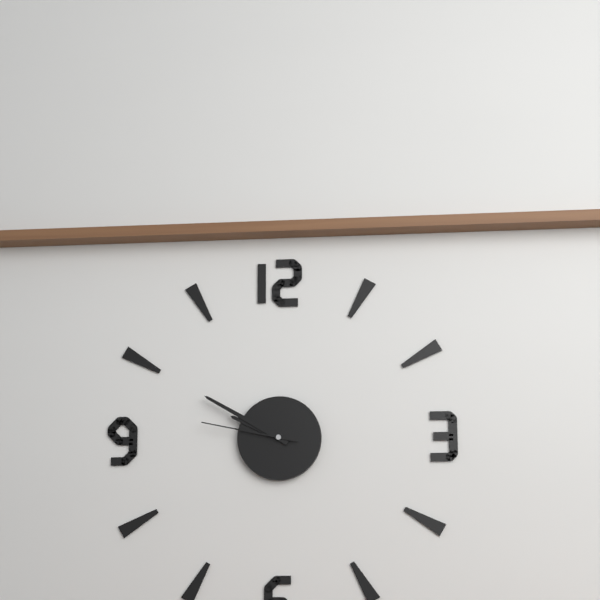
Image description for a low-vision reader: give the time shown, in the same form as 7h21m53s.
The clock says 9h50m47s
